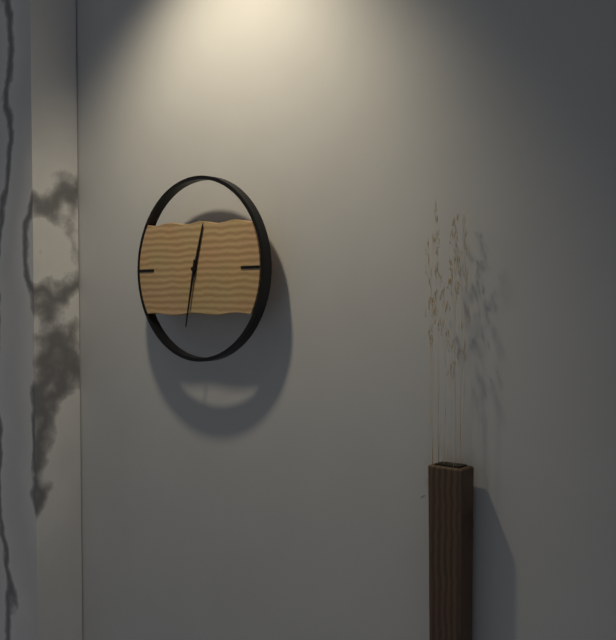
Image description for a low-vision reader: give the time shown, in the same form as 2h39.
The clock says 12h32
